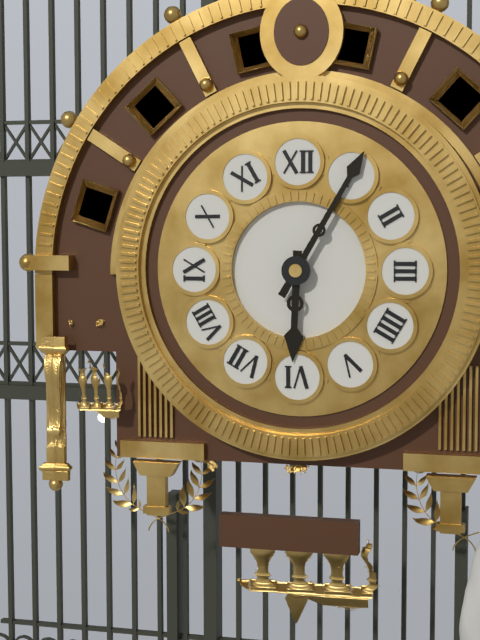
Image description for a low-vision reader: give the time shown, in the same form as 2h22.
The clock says 6h05
